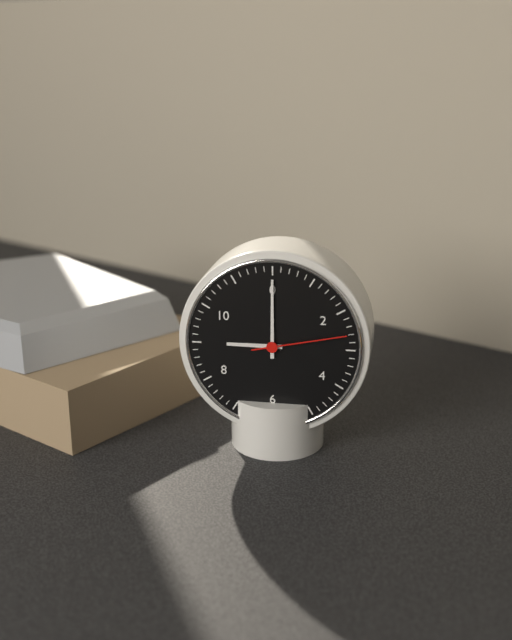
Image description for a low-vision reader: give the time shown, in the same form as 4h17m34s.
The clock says 9h00m13s
